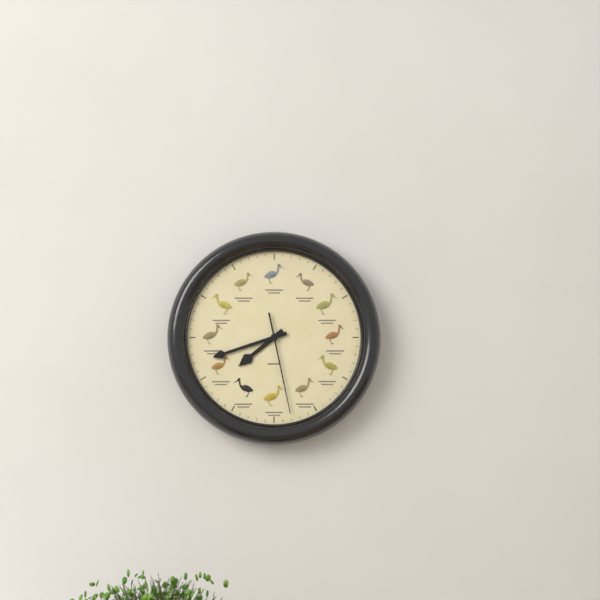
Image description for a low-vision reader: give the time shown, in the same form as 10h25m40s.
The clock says 7h42m28s
